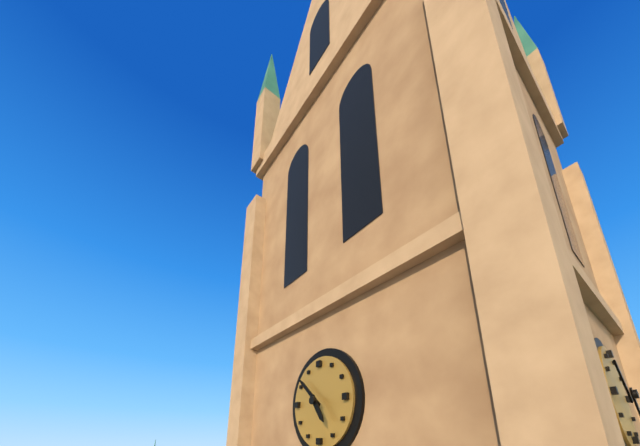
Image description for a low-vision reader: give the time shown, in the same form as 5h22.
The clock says 4h52
